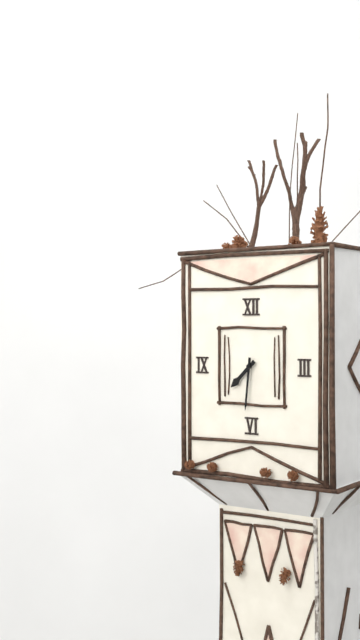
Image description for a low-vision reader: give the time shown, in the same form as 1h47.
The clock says 7h31
